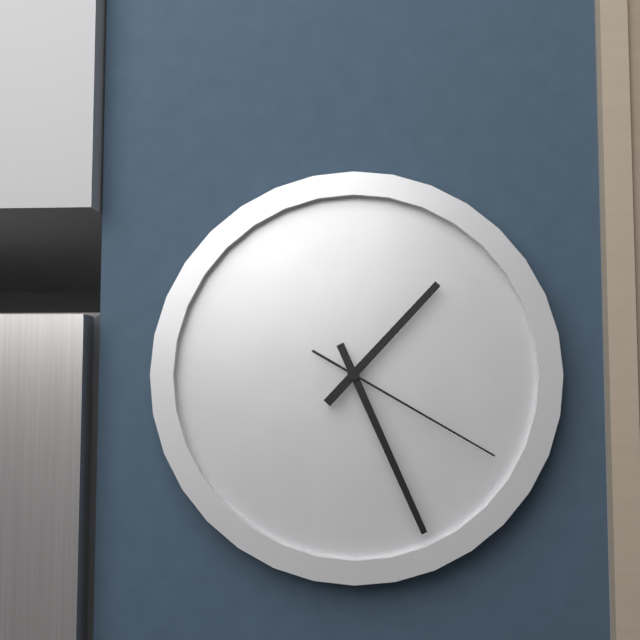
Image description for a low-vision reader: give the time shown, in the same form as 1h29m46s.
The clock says 1h26m20s
